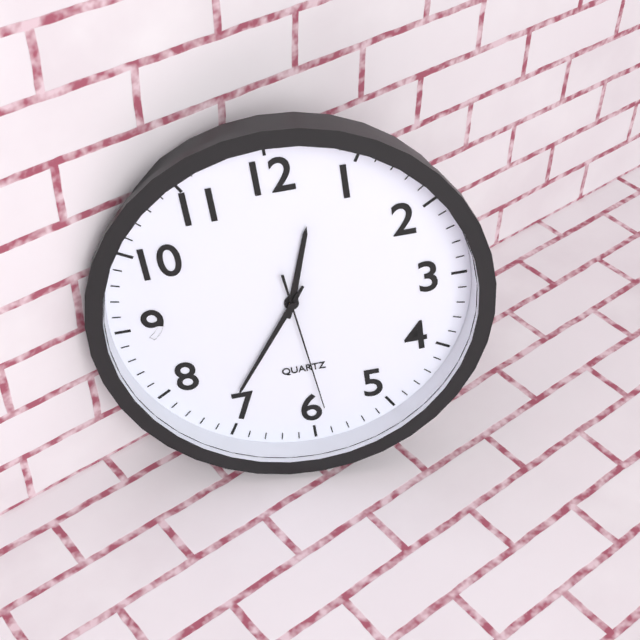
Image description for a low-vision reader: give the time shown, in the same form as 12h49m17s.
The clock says 12h36m29s
